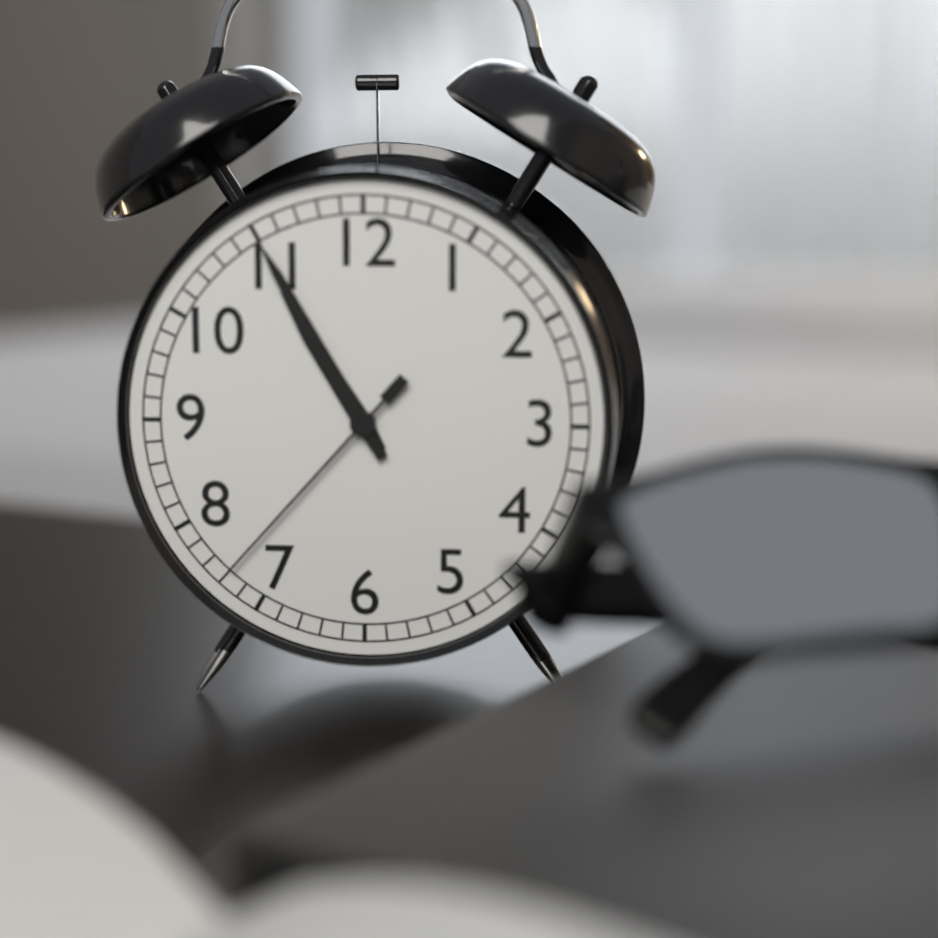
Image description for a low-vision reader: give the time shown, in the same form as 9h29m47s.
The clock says 10h55m37s
